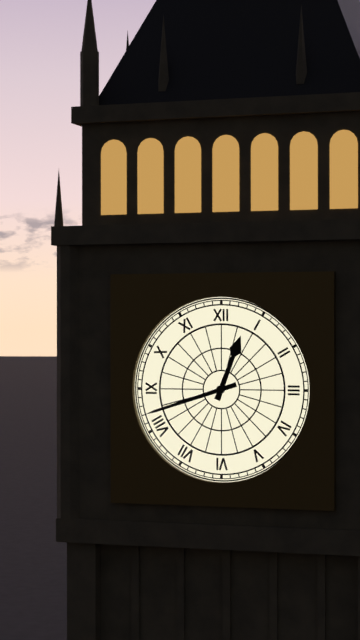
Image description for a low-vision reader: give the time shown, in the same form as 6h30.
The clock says 12h42
